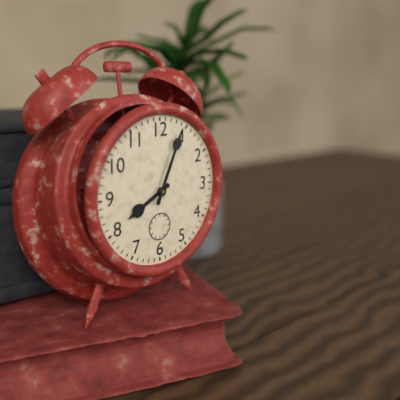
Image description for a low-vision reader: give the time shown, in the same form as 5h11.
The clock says 8h04
